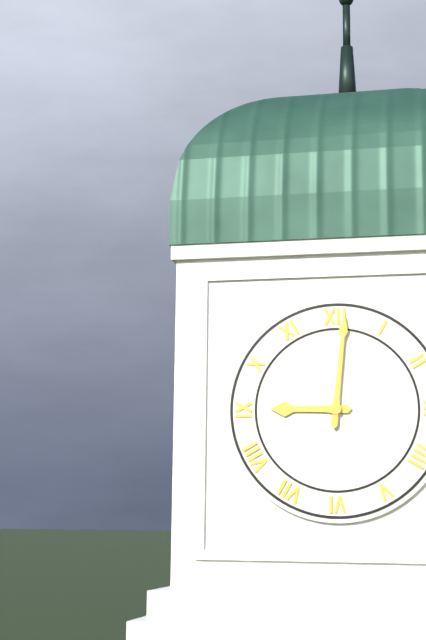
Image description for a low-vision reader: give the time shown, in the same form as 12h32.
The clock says 9h01
